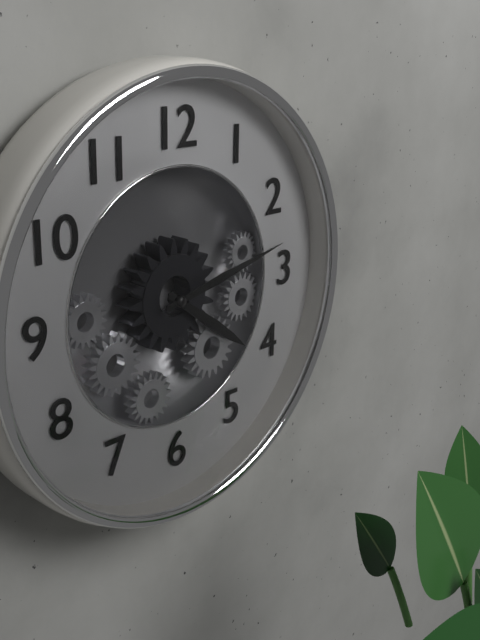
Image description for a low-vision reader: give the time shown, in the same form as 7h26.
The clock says 4h13
